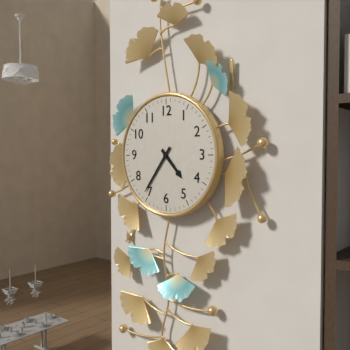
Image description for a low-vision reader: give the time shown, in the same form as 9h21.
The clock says 4h36
